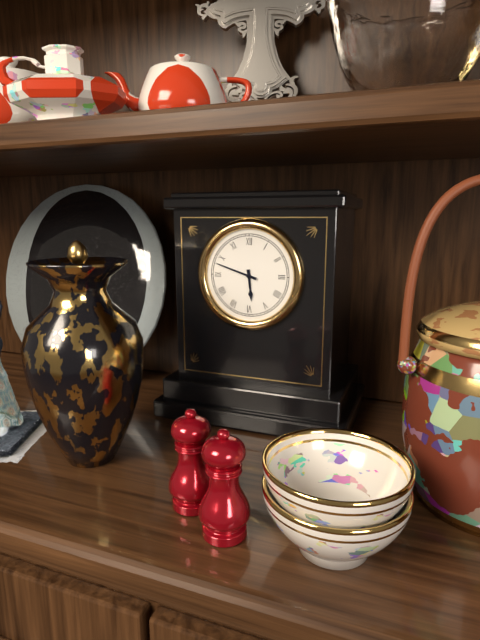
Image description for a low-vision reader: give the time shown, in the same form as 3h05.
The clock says 5h48
